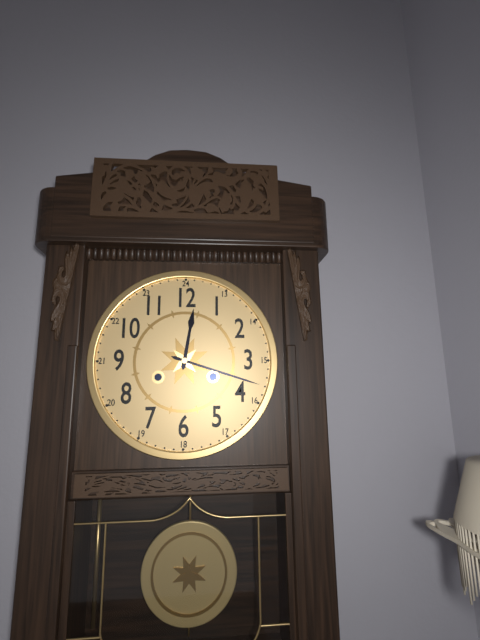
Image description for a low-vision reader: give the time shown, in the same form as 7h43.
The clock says 12h18
